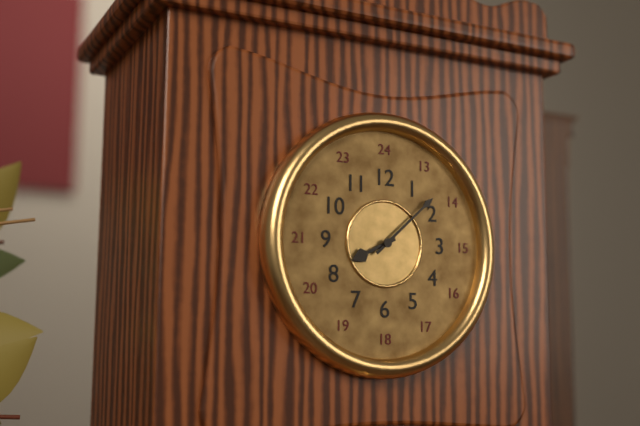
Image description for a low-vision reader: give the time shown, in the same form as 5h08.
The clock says 8h08
